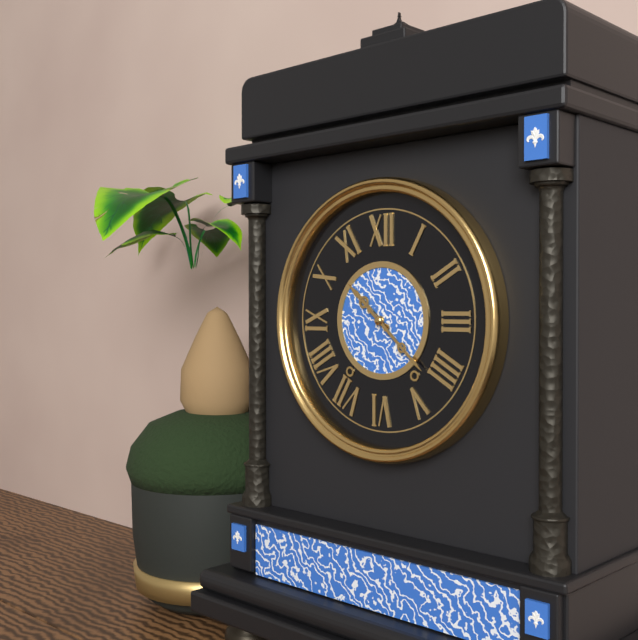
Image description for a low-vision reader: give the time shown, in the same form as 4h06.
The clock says 10h22
